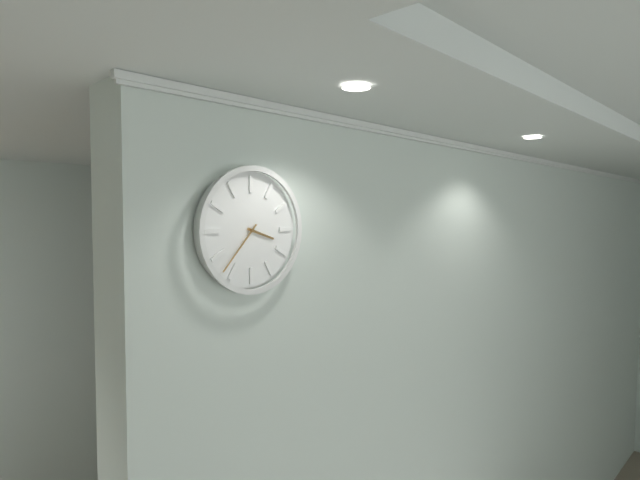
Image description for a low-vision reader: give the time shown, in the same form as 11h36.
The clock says 3h37
